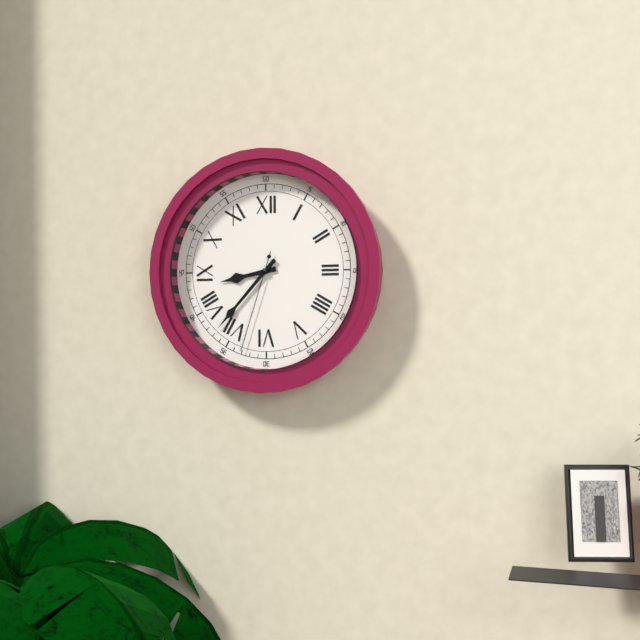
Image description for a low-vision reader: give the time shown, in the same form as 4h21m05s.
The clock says 8h37m33s
